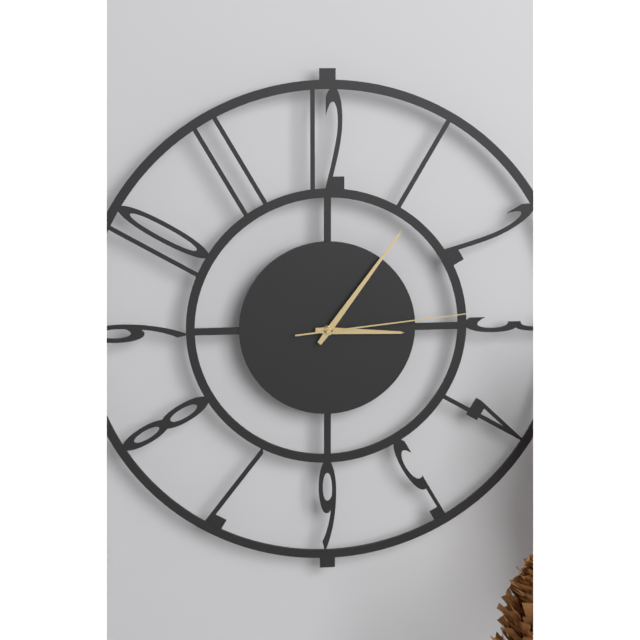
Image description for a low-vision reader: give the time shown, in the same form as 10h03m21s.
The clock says 3h06m14s
